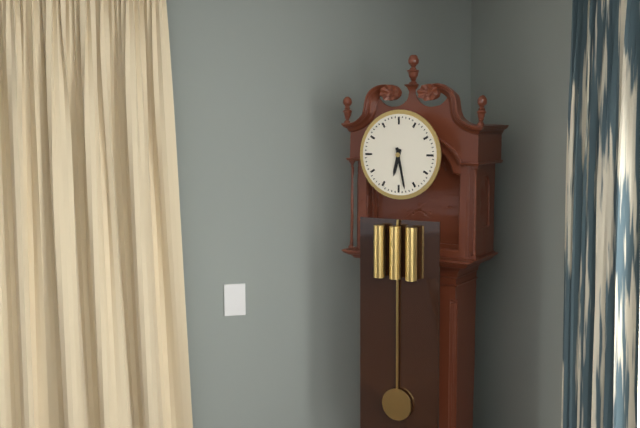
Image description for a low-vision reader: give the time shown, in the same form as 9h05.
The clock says 6h28
